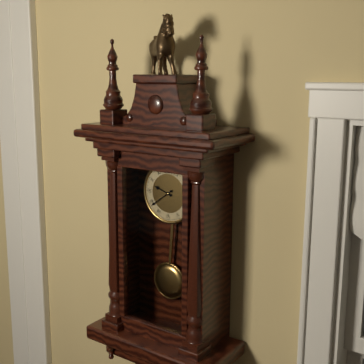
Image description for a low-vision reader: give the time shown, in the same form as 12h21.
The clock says 9h39
